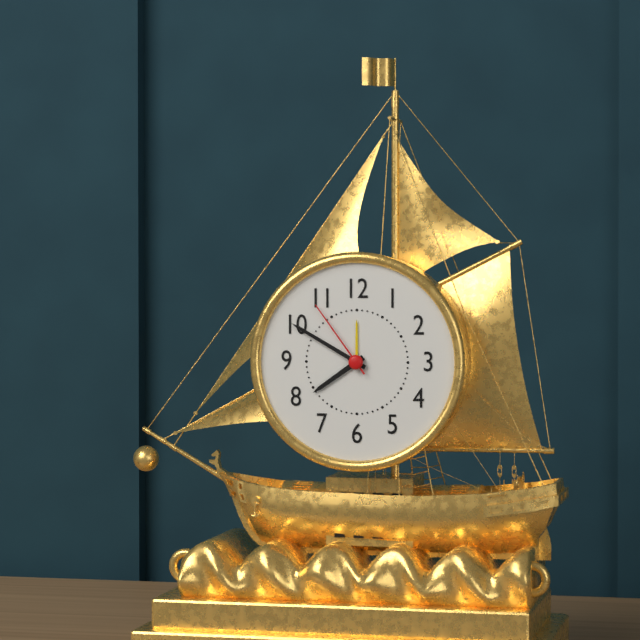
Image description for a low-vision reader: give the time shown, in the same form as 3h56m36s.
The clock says 7h50m54s
